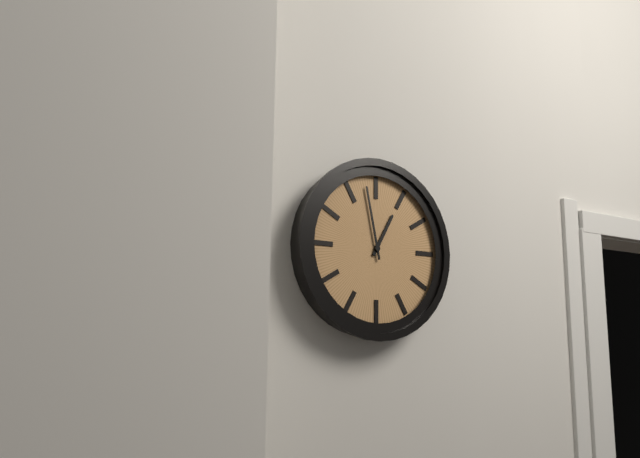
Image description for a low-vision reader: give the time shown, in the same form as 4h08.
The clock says 12h58
